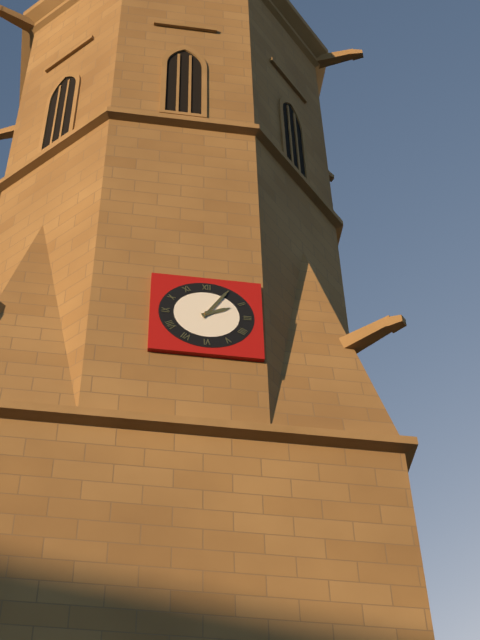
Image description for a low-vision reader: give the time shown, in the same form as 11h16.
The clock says 2h05
